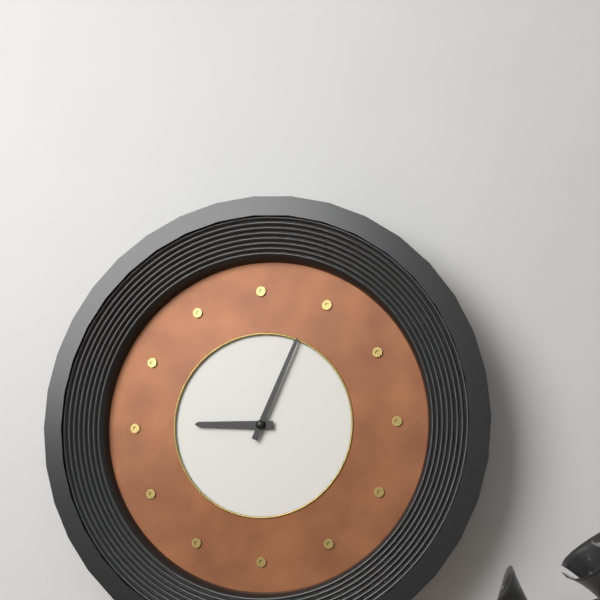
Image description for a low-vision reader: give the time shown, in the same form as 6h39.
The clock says 9h04
